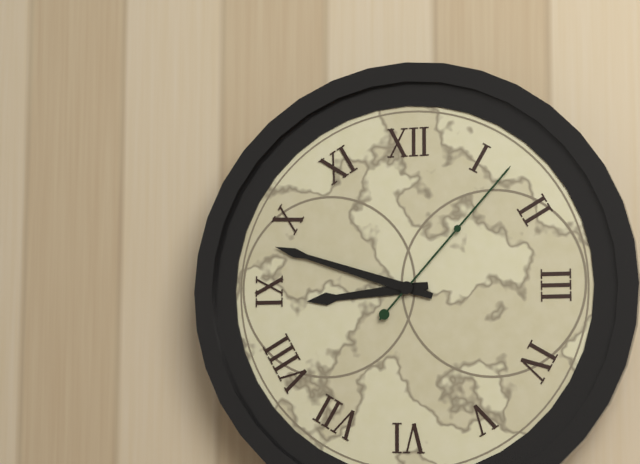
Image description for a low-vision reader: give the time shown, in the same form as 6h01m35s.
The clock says 8h48m07s
